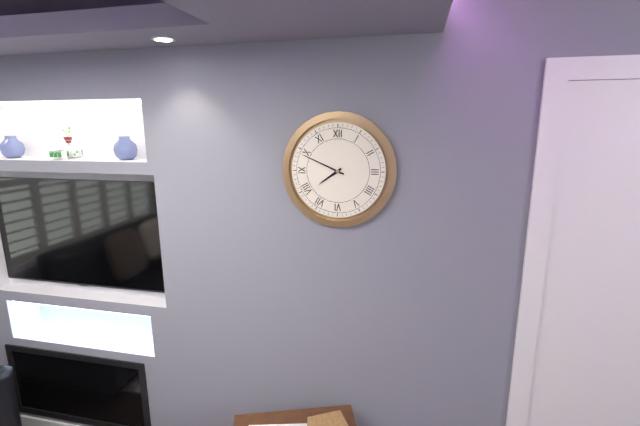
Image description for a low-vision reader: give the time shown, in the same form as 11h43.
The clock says 7h49
